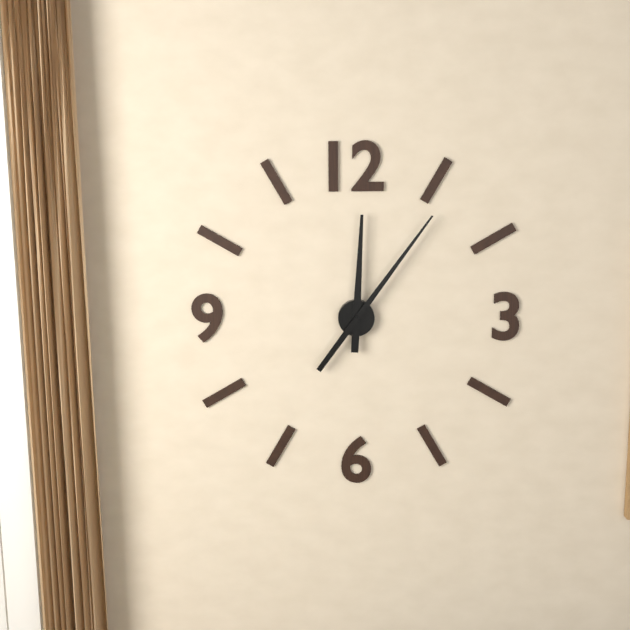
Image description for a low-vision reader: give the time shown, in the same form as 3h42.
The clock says 12h06
